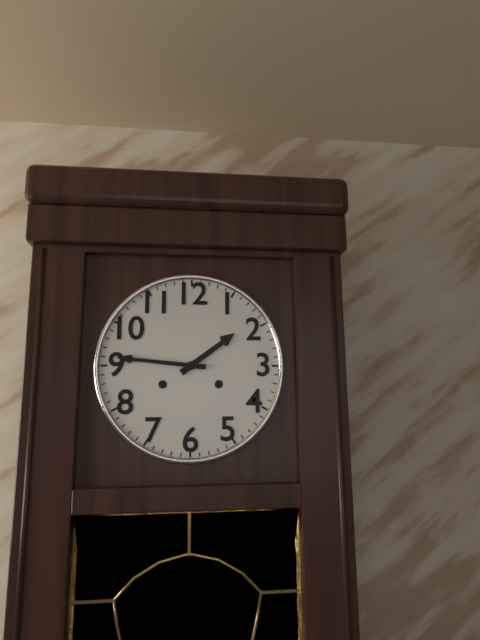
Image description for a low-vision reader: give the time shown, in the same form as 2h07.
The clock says 1h46
